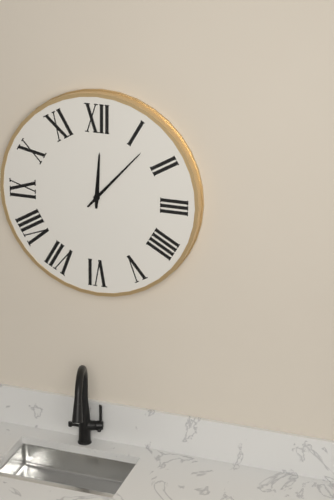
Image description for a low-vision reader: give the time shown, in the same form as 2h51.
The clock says 12h07
